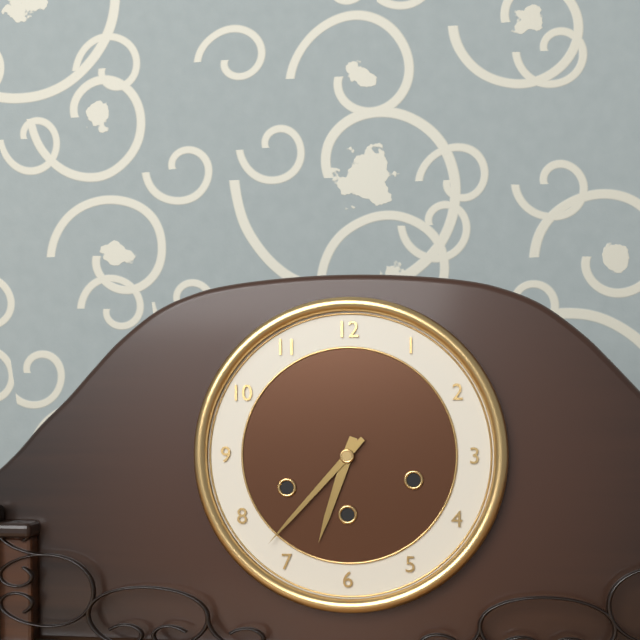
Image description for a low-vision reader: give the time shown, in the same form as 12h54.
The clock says 6h37
